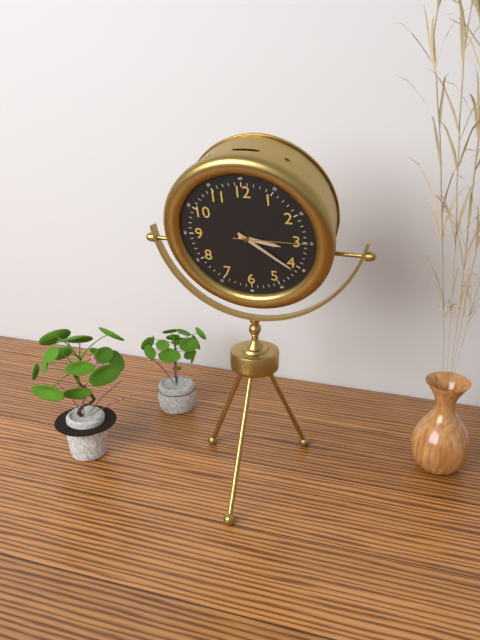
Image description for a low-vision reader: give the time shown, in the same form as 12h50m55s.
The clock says 3h21m15s
